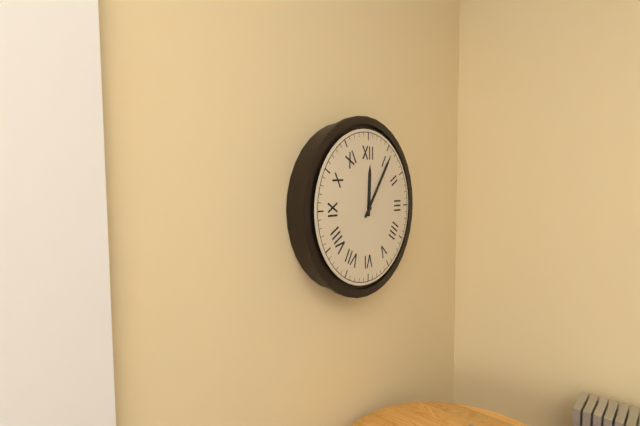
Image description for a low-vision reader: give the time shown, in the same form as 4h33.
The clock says 12h06
